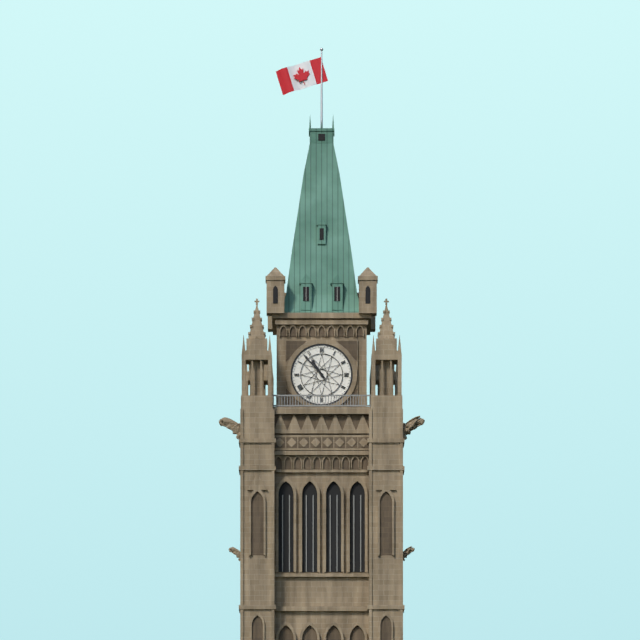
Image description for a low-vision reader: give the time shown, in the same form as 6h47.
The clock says 10h53
